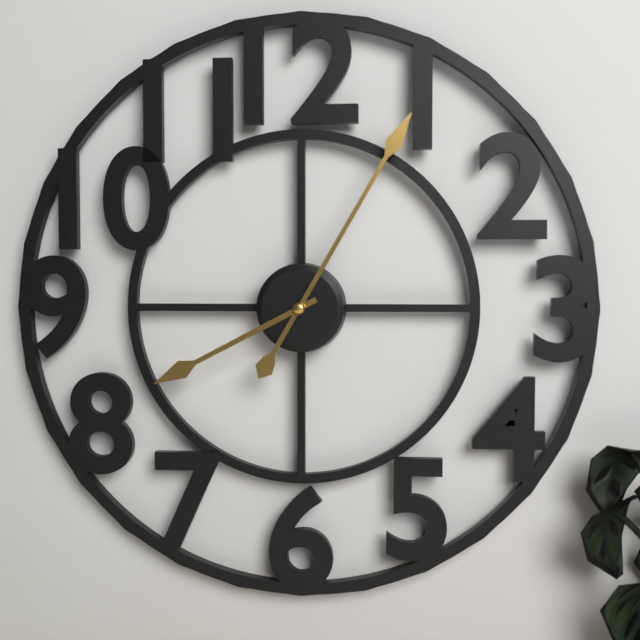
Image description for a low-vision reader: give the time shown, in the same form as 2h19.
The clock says 8h05
